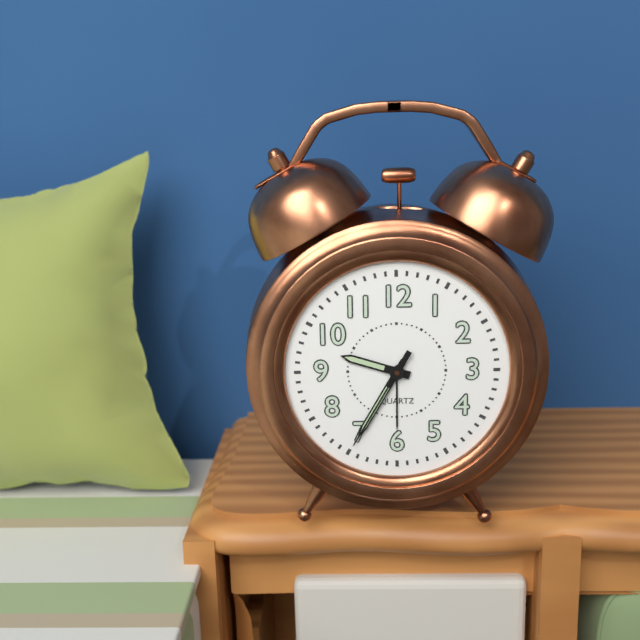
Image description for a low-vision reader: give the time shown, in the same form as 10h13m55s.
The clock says 9h35m35s
